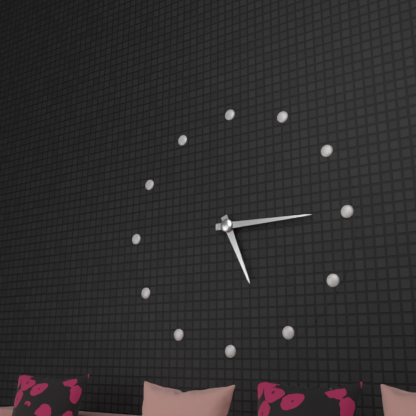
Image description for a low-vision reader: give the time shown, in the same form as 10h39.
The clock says 5h15
